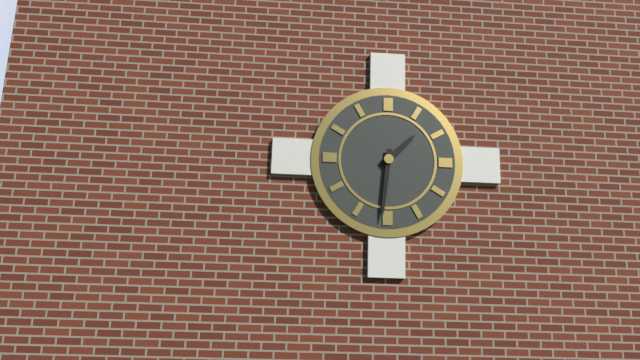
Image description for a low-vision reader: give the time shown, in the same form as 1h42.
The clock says 1h31
